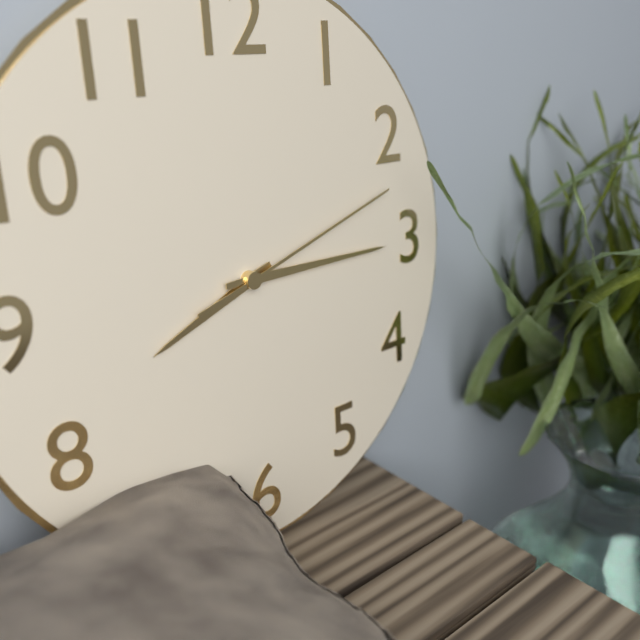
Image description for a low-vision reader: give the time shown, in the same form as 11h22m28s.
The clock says 8h15m12s
